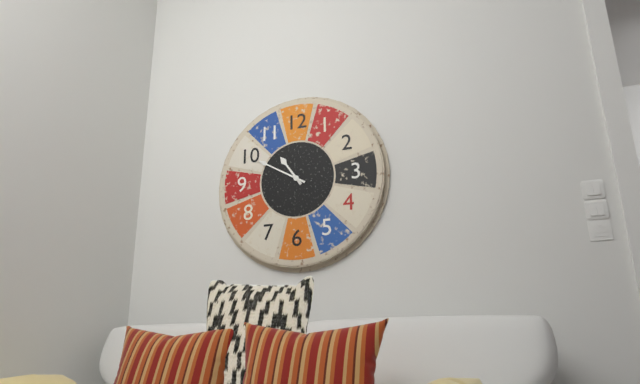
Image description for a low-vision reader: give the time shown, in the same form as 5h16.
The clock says 10h50
